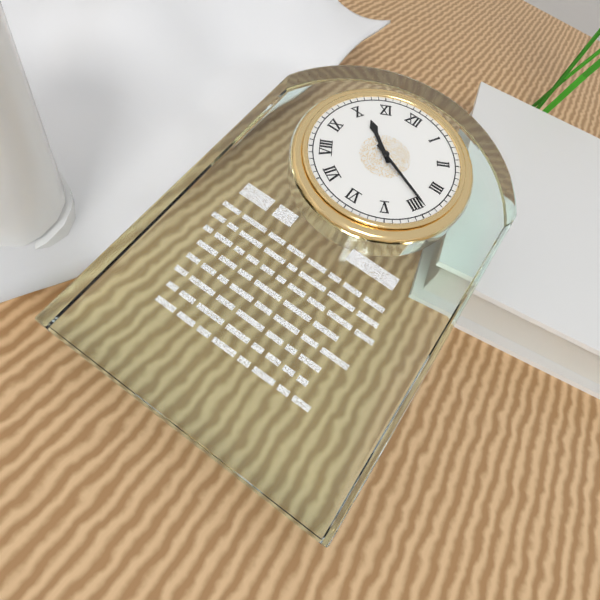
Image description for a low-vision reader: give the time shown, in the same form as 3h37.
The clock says 10h19
